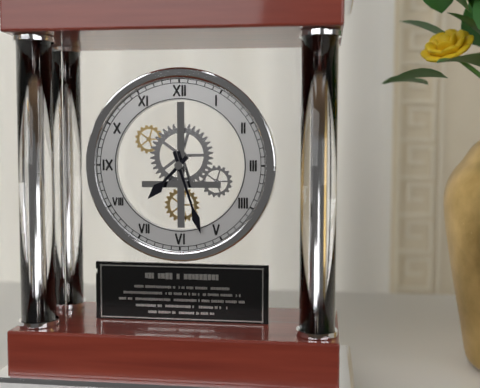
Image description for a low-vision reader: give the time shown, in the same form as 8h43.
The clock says 7h27
